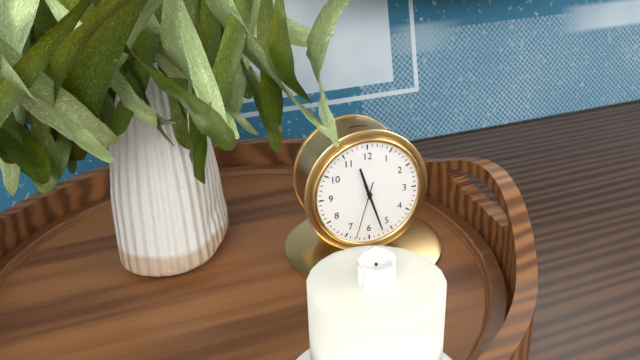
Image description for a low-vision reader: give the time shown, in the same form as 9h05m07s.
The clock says 11h27m33s
